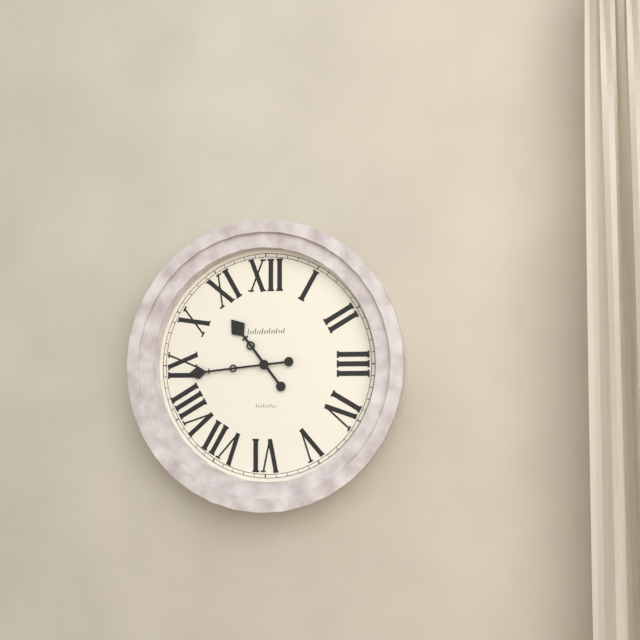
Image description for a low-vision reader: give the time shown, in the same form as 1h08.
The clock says 10h44
